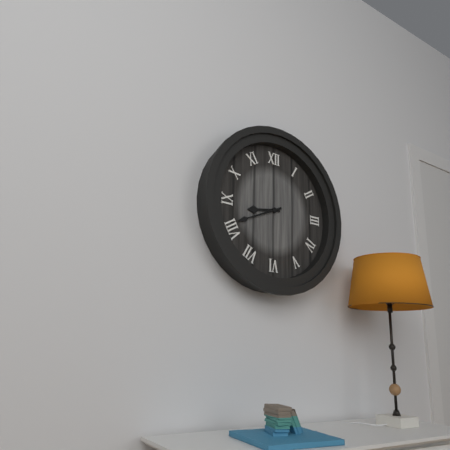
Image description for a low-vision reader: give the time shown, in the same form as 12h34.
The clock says 8h41
